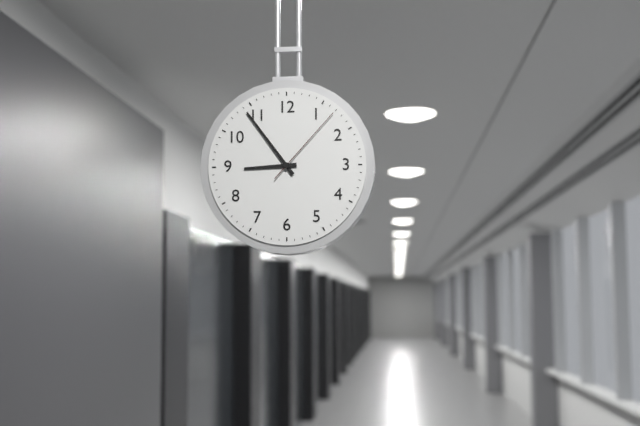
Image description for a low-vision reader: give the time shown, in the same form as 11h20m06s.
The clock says 8h54m07s
